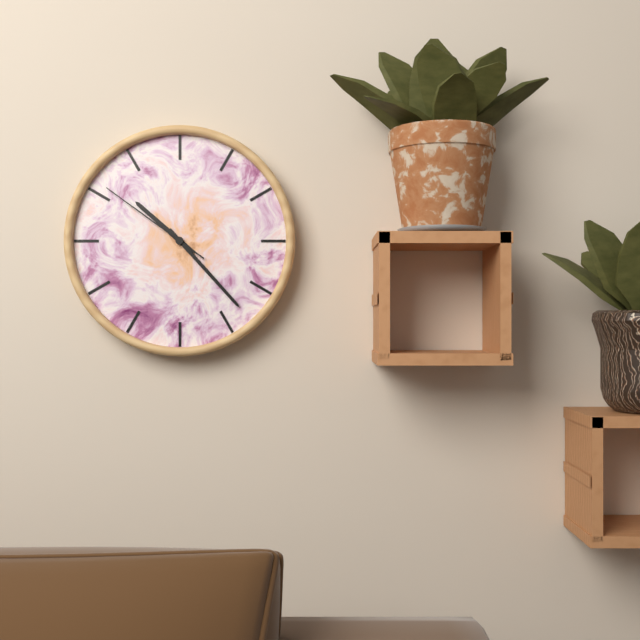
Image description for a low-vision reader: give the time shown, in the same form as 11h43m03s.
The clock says 10h23m51s
